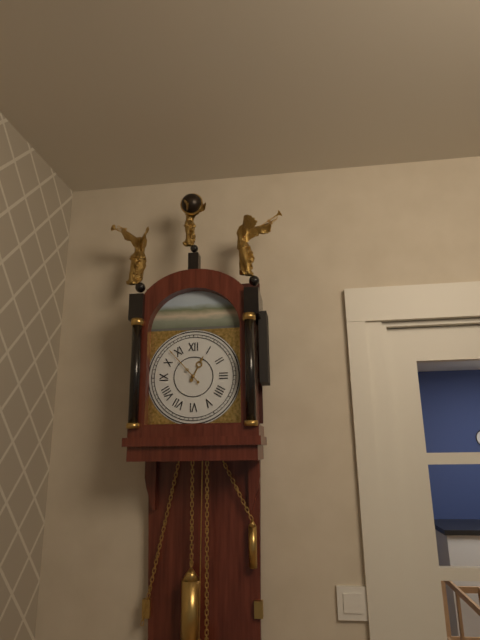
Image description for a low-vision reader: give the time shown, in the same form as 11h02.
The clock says 12h53
